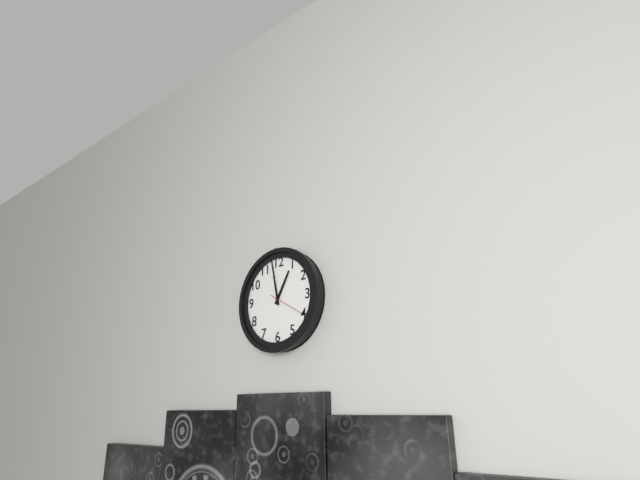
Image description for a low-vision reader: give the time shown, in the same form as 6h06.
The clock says 12h58
